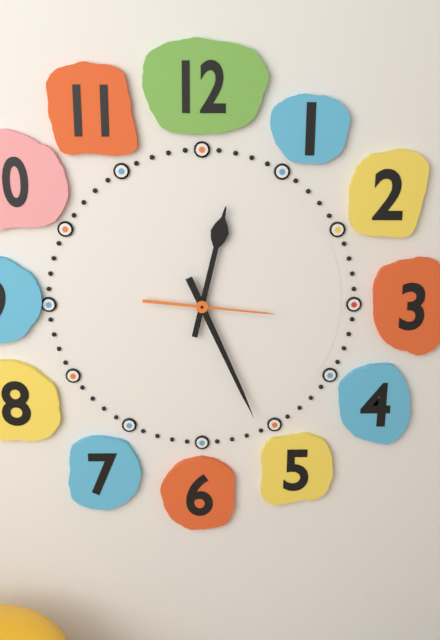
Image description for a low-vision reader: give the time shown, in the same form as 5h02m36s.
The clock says 12h26m16s
